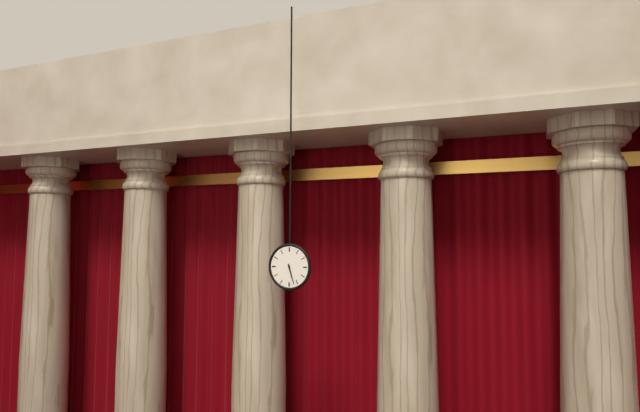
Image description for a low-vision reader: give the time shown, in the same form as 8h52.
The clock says 5h27
